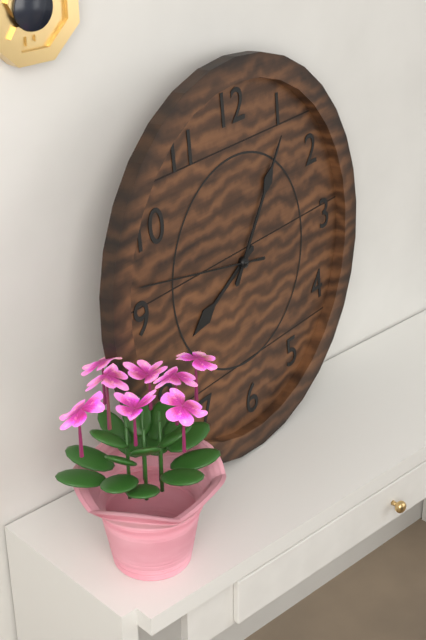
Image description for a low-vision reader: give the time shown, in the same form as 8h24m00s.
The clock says 8h06m47s
